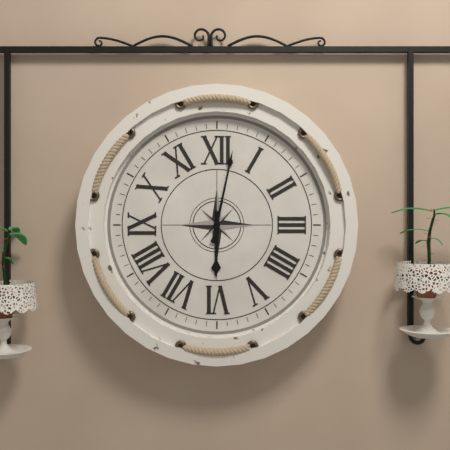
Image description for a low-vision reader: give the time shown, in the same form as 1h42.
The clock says 6h02
